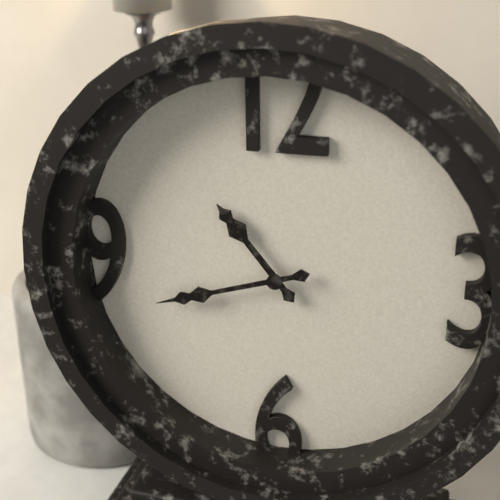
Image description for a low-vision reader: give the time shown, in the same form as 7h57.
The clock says 10h42
